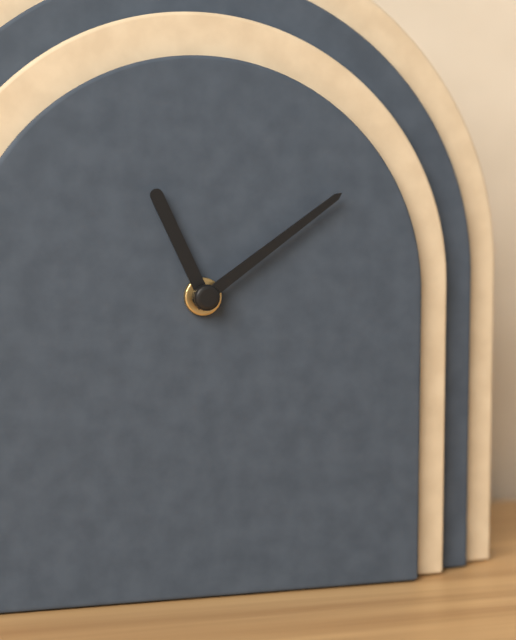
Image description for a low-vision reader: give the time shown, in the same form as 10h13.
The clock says 11h09
